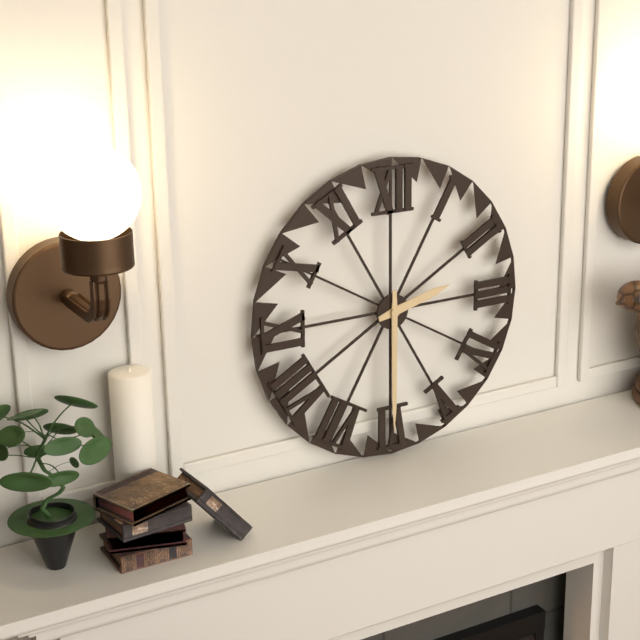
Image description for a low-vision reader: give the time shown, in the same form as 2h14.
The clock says 2h30
